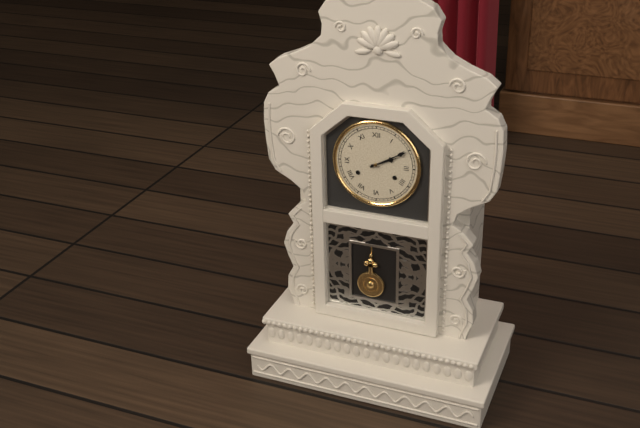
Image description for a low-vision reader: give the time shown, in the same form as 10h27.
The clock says 2h10
